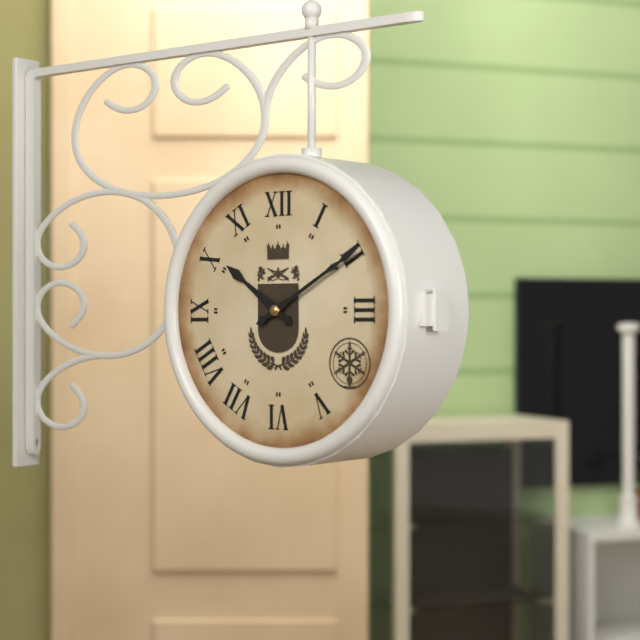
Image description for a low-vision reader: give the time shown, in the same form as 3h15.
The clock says 10h10
